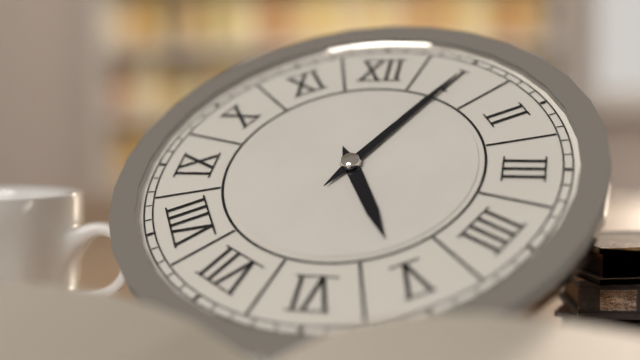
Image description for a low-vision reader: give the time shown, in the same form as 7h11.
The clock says 5h05
